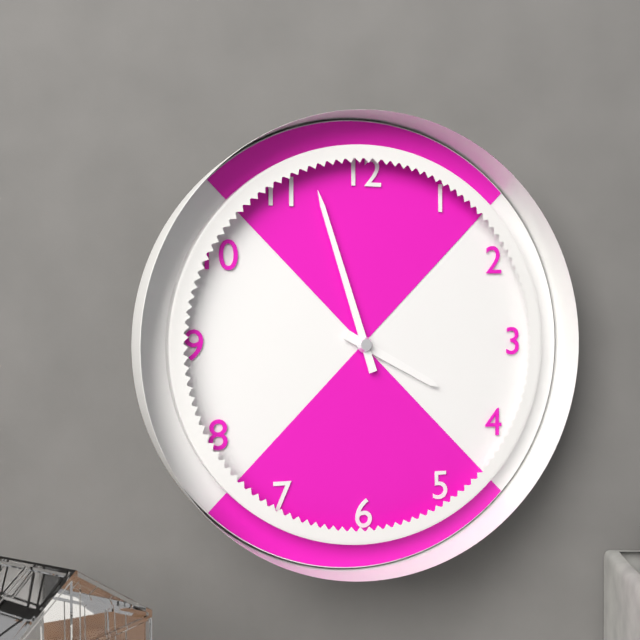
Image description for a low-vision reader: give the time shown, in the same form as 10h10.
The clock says 3h57
